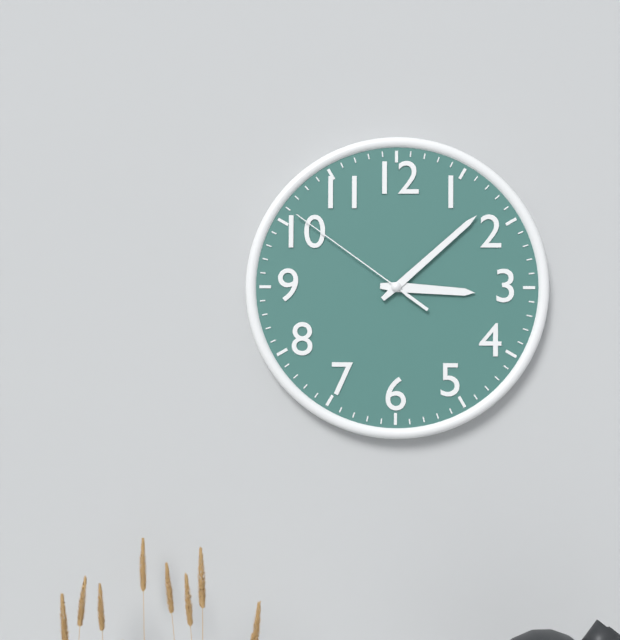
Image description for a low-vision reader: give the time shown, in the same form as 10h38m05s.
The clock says 3h08m51s
